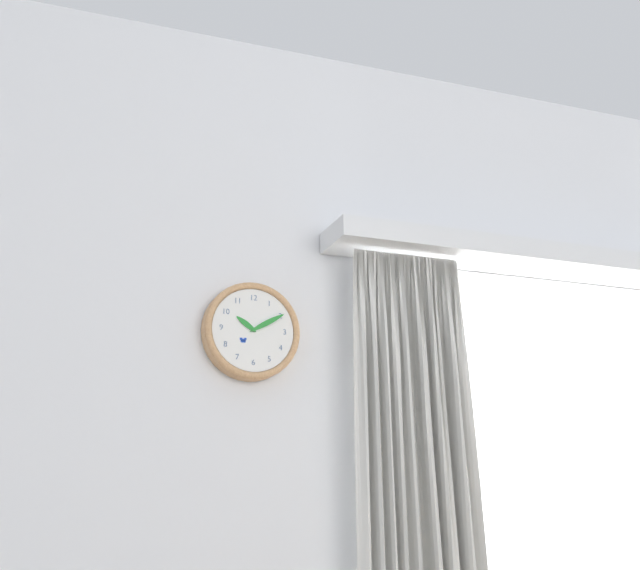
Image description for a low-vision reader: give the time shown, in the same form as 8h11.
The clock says 10h10
